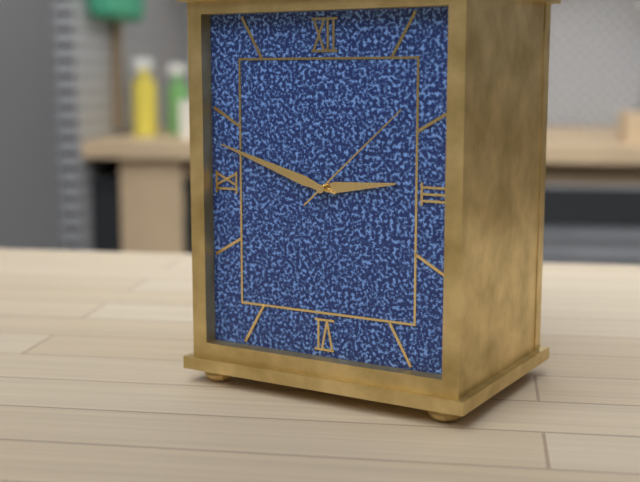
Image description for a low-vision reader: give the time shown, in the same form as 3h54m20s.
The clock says 2h48m08s
